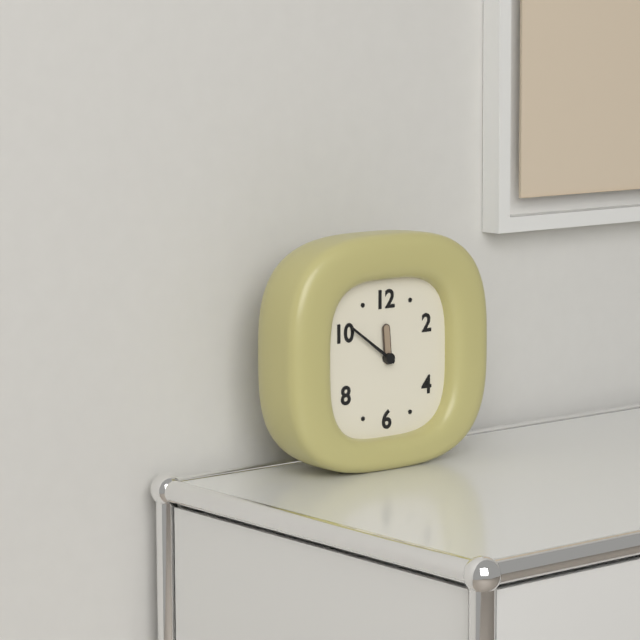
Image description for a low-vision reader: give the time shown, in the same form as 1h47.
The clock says 11h51
